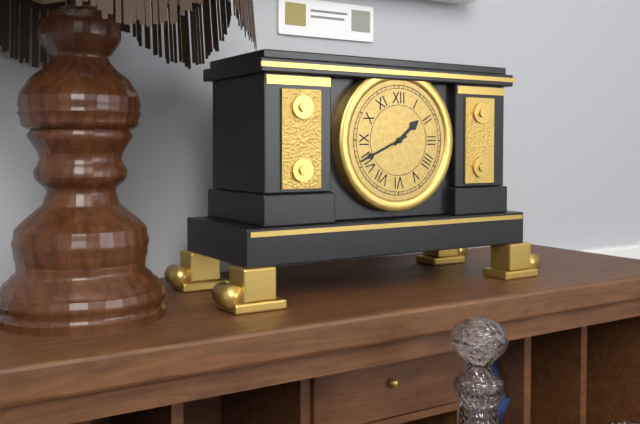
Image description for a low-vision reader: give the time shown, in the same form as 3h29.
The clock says 1h41
